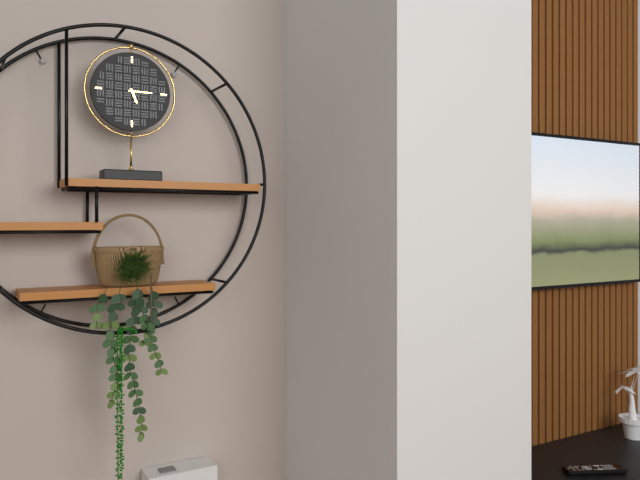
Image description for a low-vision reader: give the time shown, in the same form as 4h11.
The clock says 5h15
